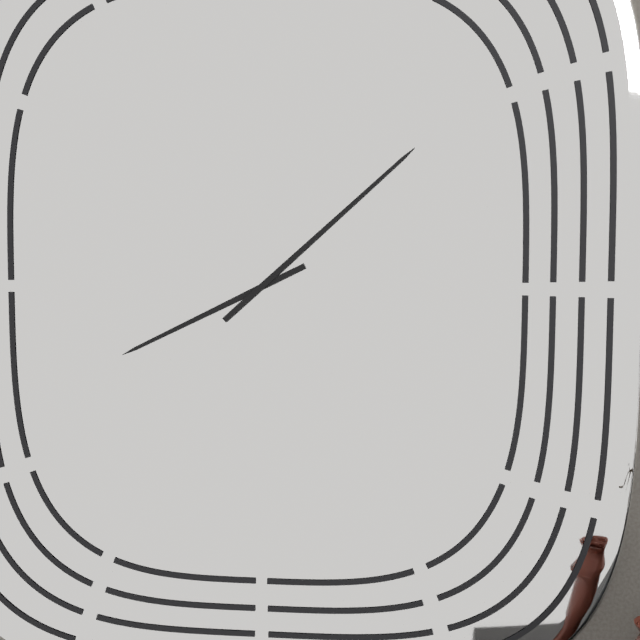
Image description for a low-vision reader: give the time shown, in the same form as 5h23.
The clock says 8h08
